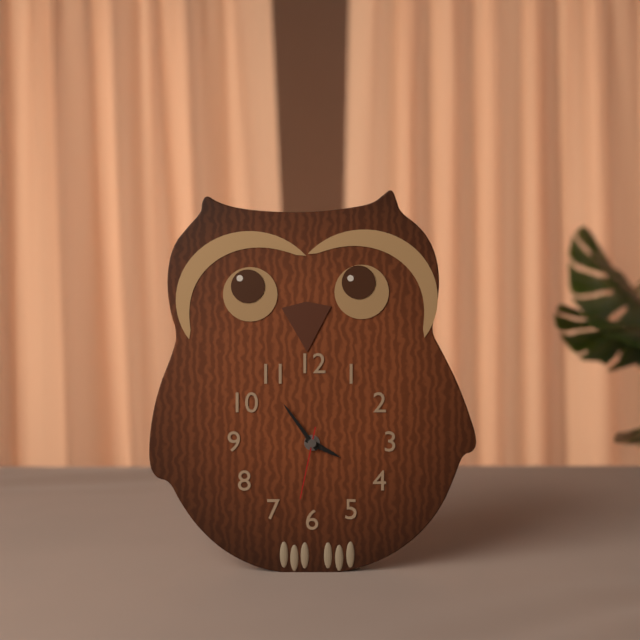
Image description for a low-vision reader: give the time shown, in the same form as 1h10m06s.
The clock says 3h54m32s
